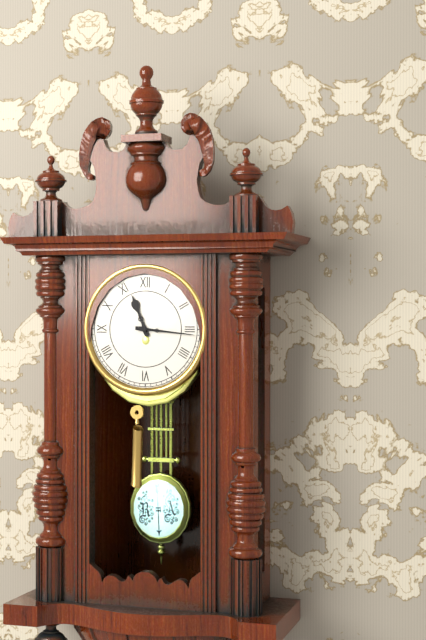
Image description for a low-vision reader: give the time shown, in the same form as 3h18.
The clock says 11h16
